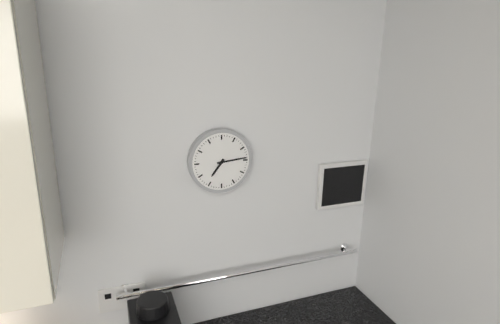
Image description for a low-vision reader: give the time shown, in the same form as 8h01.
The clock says 7h14
